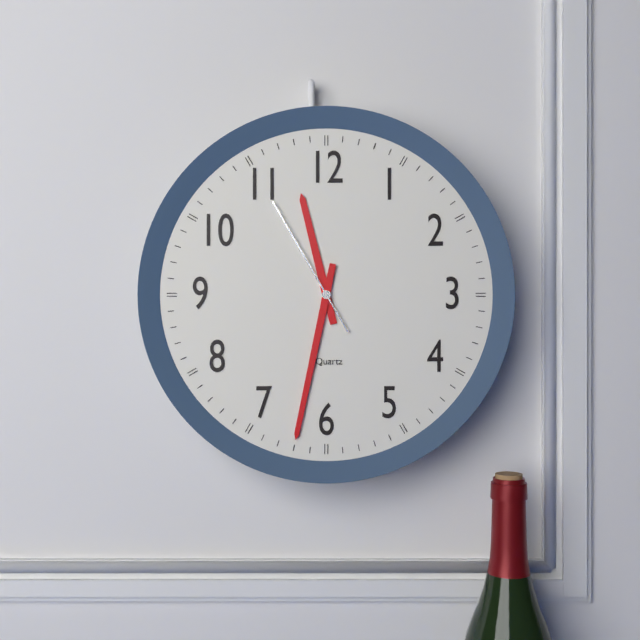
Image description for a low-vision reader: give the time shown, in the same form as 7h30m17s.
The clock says 11h32m55s
